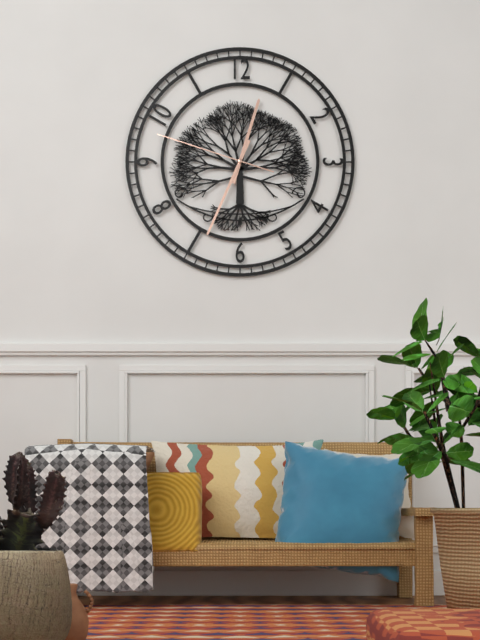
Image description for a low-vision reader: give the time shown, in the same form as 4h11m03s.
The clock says 12h34m48s
